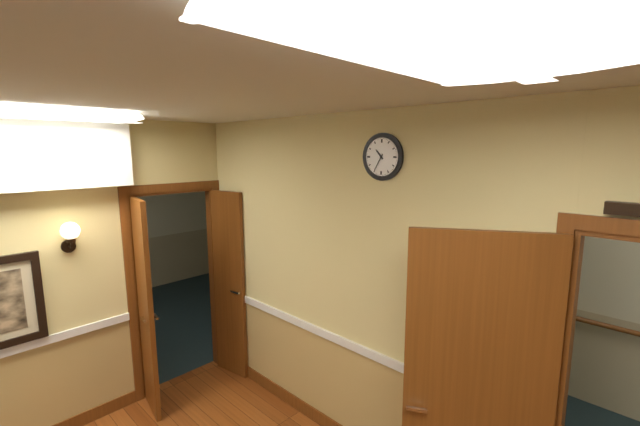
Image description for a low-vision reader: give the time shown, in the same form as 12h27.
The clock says 10h35
